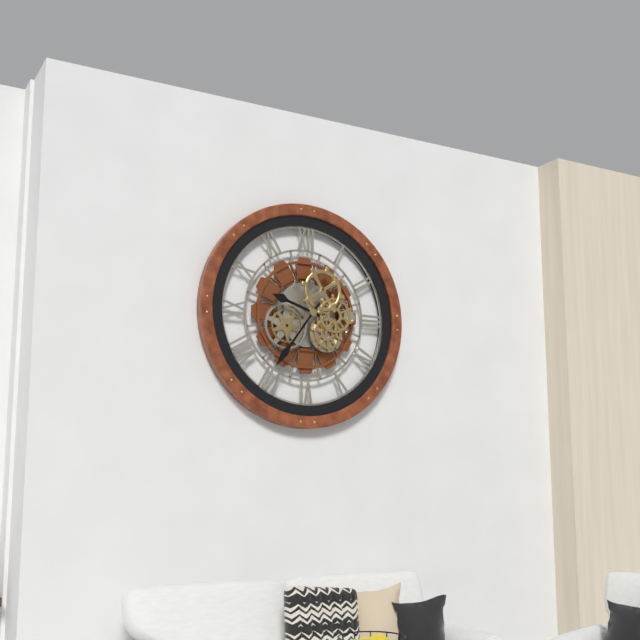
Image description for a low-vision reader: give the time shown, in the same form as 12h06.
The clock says 9h36
